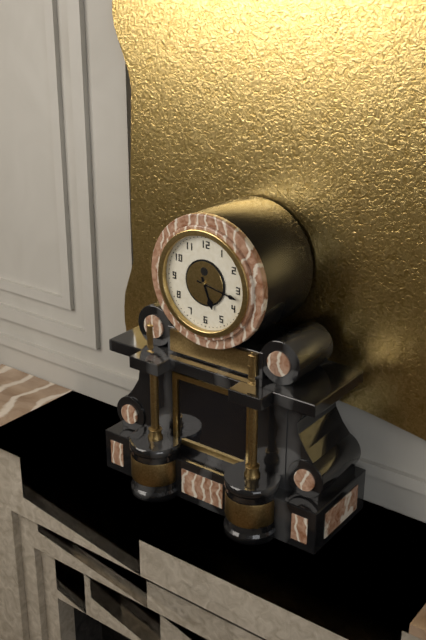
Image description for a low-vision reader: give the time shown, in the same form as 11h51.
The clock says 5h17
